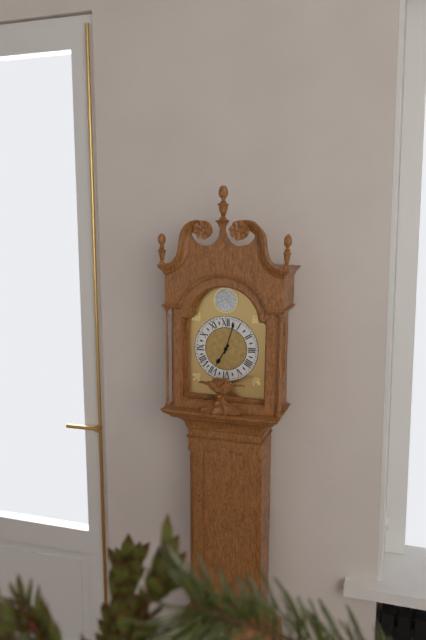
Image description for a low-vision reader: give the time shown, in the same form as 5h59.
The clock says 7h03
